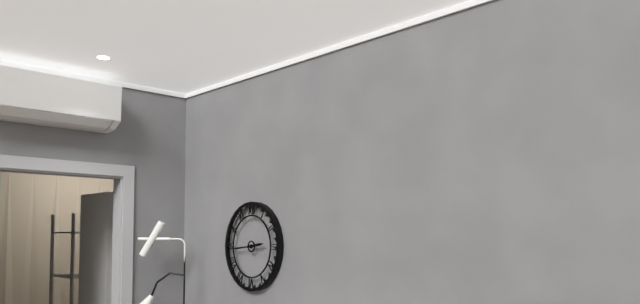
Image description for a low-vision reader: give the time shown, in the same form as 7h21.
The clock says 2h44
